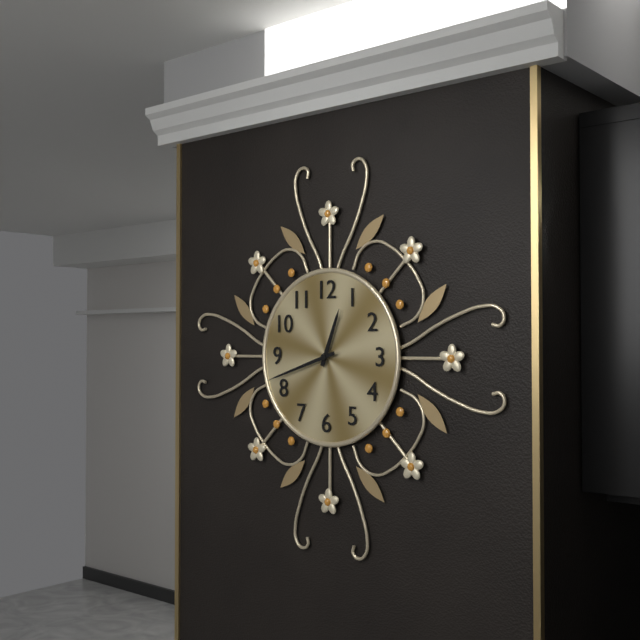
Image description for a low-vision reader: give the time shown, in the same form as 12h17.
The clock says 12h42
